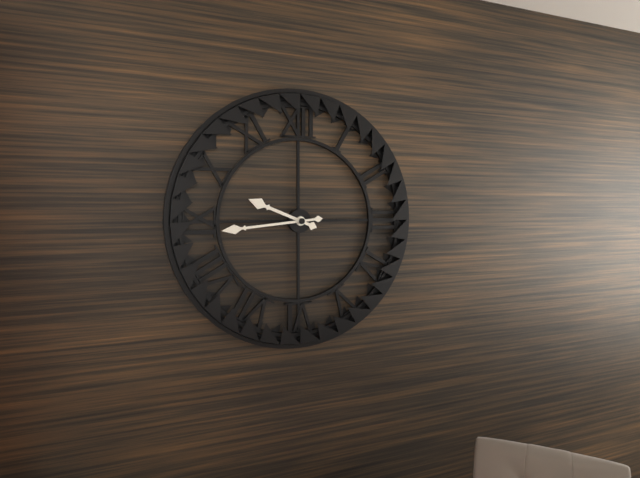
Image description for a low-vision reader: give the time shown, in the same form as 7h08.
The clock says 9h44
